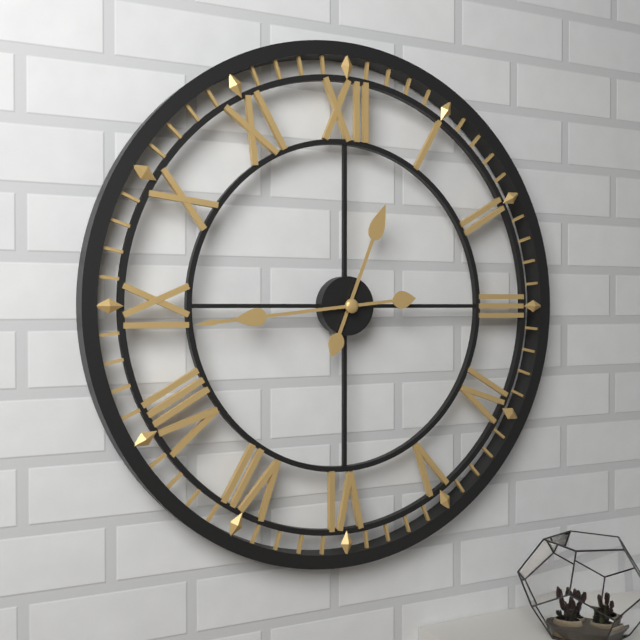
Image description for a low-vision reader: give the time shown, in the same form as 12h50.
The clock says 12h44
